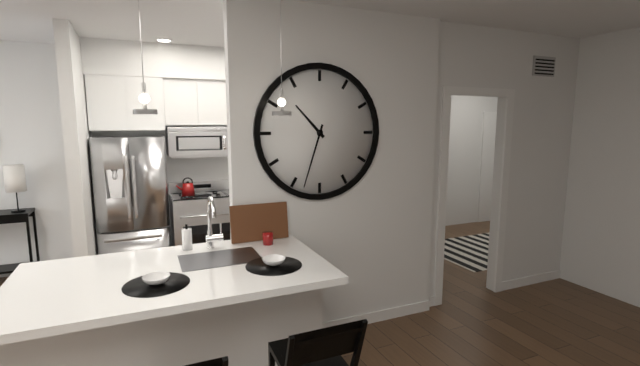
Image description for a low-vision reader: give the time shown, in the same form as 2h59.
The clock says 10h33
